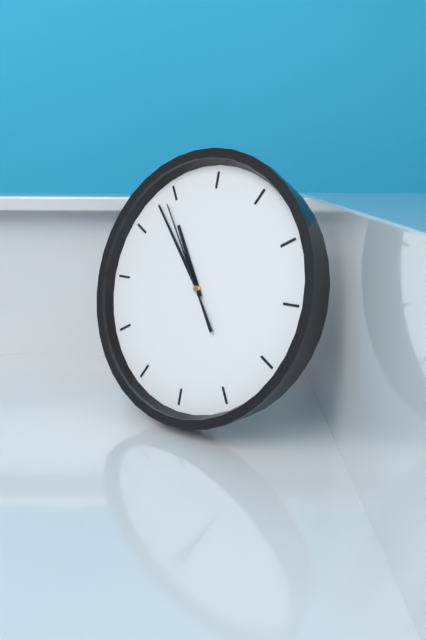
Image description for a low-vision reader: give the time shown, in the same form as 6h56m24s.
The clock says 10h53m54s
